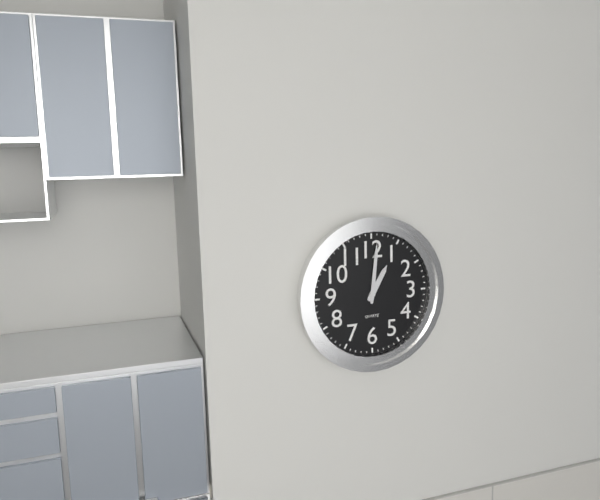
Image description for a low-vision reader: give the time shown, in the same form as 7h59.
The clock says 1h01
